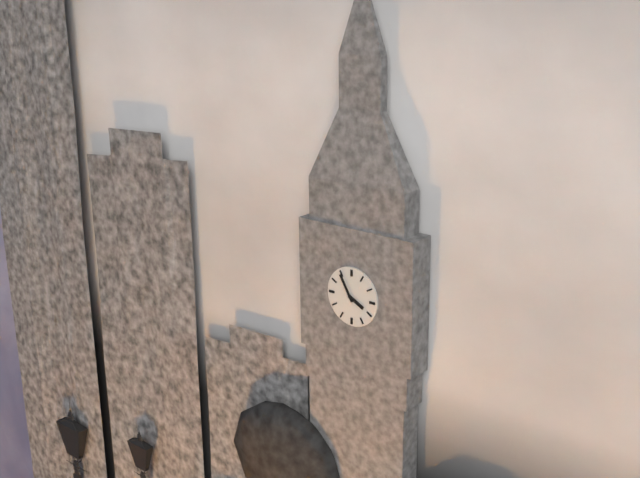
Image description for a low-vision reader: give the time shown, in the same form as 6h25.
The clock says 3h55
